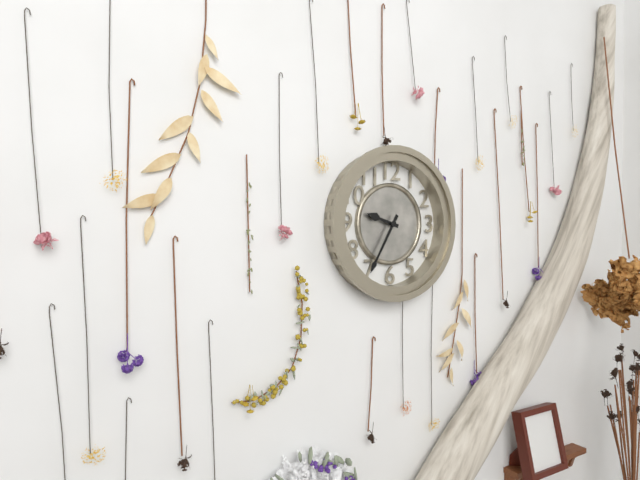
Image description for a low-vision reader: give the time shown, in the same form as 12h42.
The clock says 9h35
